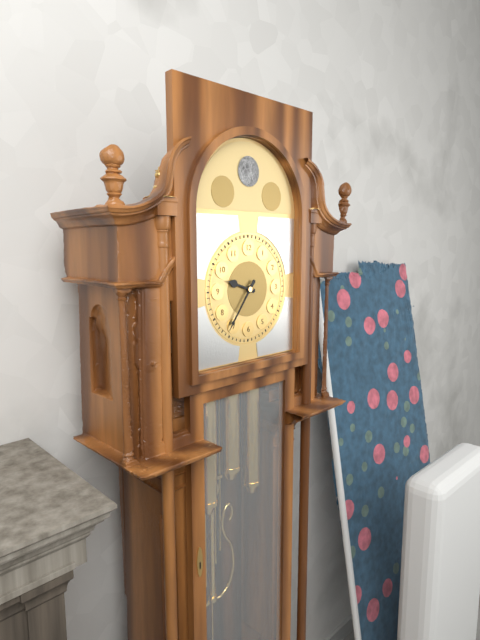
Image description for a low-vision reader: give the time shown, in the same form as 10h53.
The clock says 9h36
